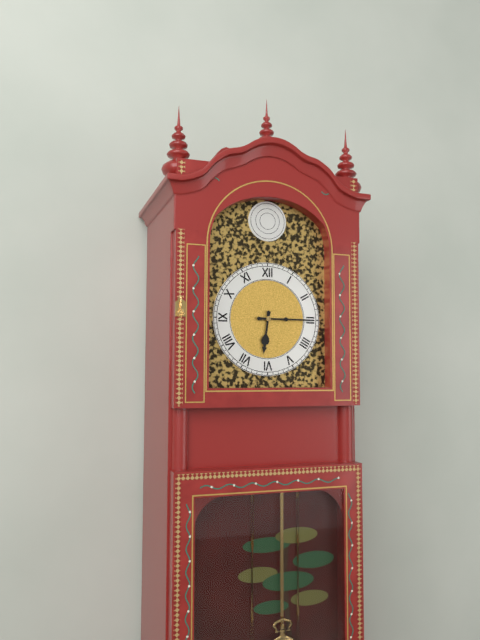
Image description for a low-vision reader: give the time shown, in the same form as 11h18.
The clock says 6h15
